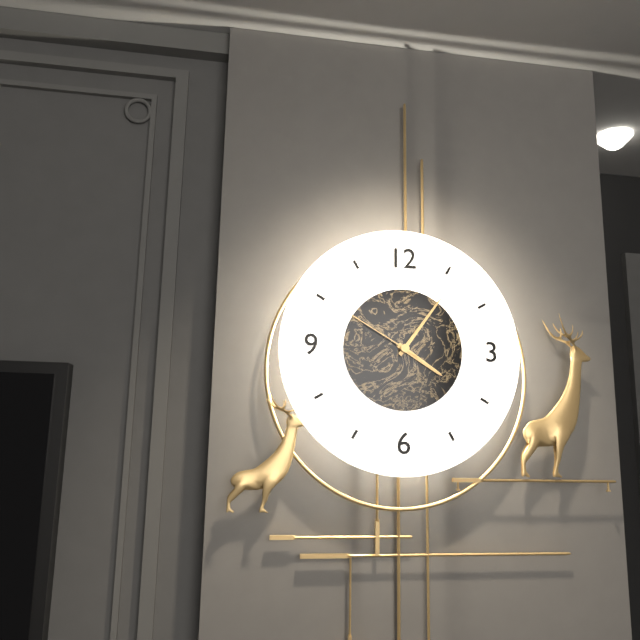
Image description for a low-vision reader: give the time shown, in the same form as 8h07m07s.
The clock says 4h06m50s
